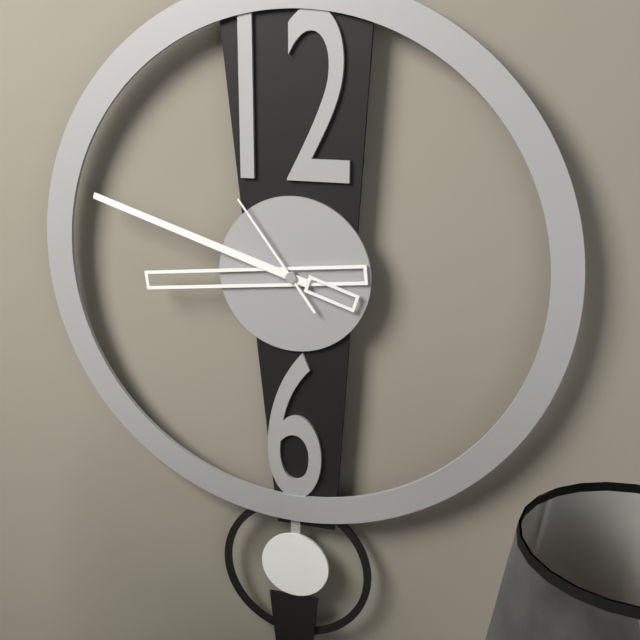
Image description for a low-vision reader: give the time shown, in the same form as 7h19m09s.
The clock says 8h48m54s
